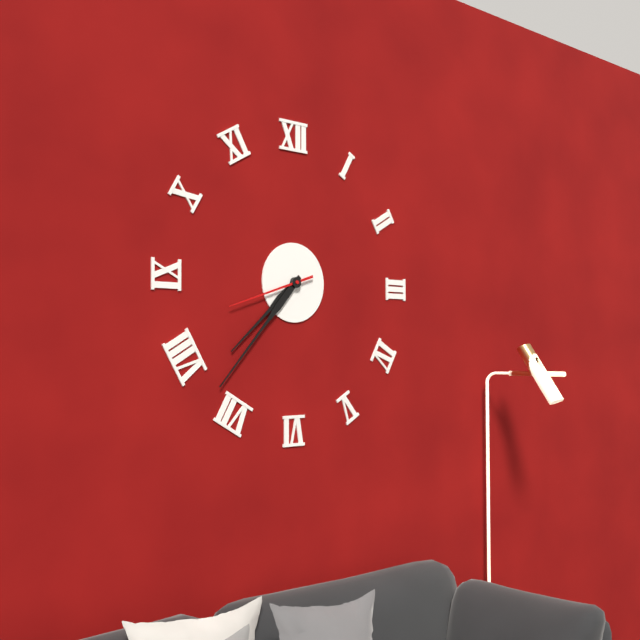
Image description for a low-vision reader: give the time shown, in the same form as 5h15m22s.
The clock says 7h37m42s
